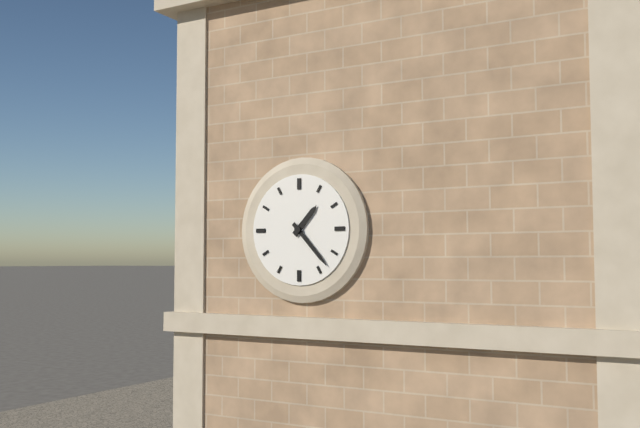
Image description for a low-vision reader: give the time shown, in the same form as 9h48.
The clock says 1h23
